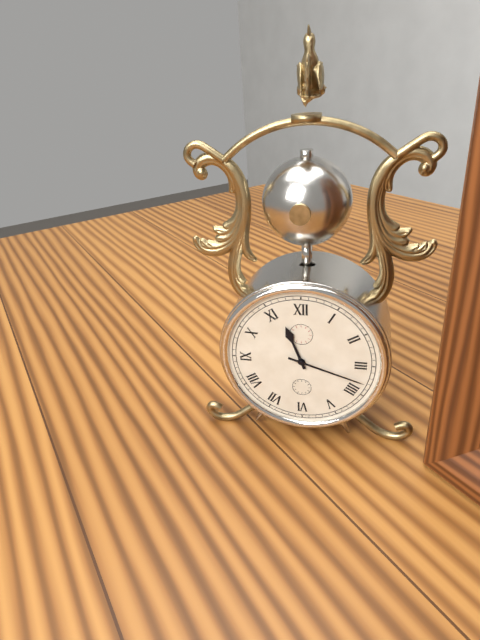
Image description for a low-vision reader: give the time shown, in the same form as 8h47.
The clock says 11h18
